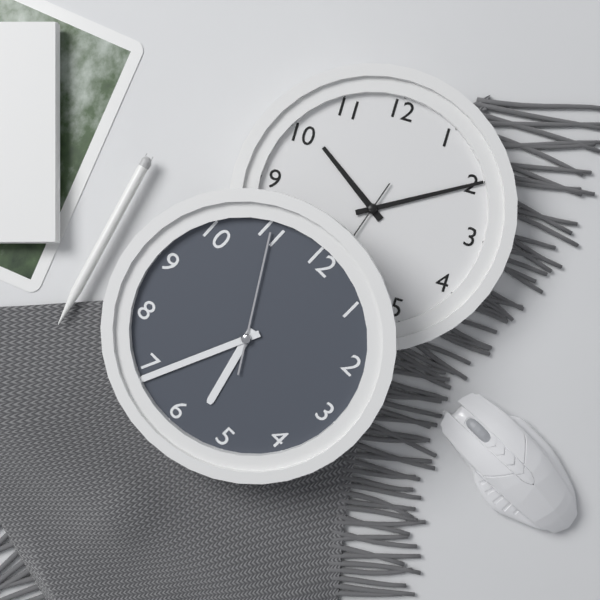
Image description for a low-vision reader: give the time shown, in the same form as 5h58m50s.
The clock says 5h34m55s
